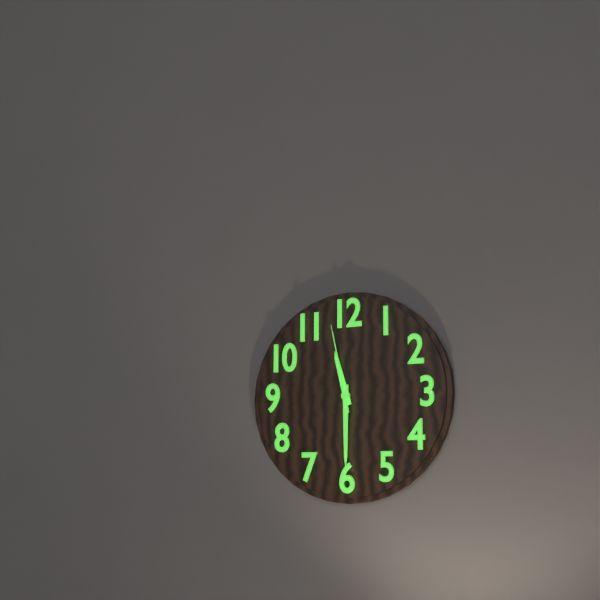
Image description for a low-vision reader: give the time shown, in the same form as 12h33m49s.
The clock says 11h30m58s
